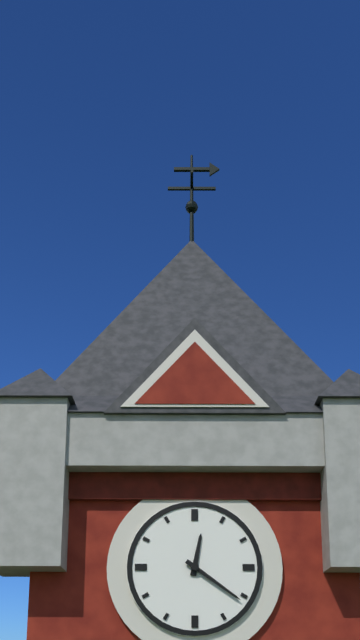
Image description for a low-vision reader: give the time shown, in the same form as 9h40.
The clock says 12h21
